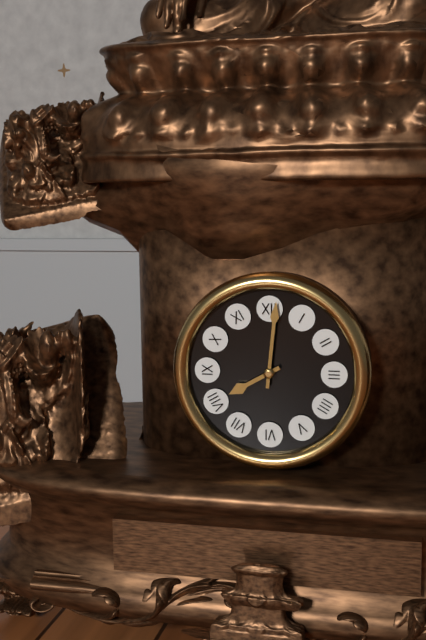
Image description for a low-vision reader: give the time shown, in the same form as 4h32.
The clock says 8h01
